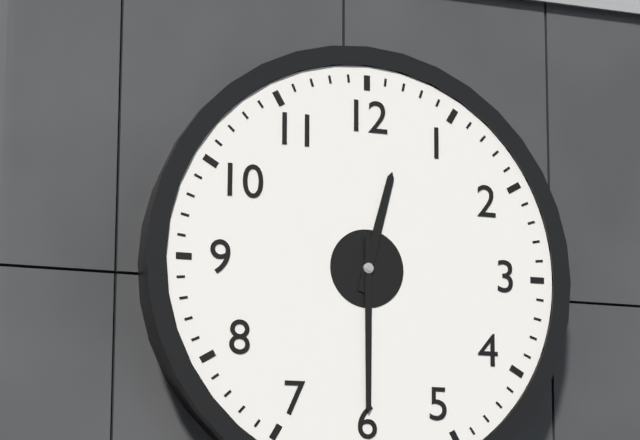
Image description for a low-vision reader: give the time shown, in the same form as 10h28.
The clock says 12h30
